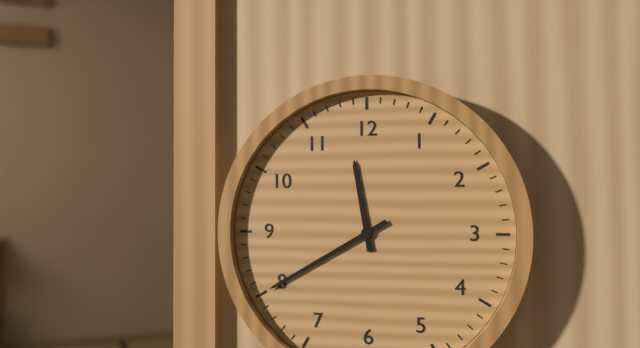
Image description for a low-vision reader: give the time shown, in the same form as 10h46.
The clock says 11h40
